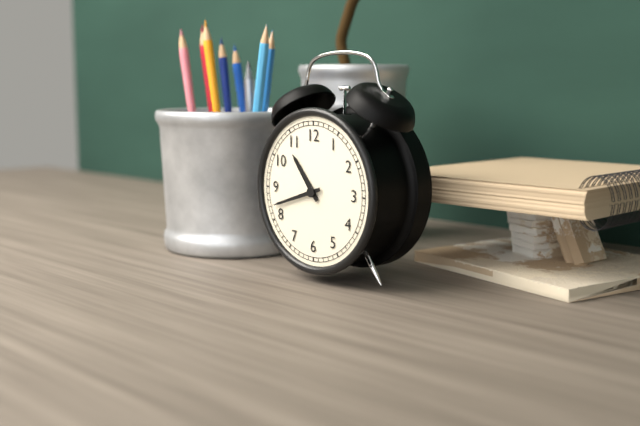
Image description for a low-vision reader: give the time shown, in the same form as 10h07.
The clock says 10h42
